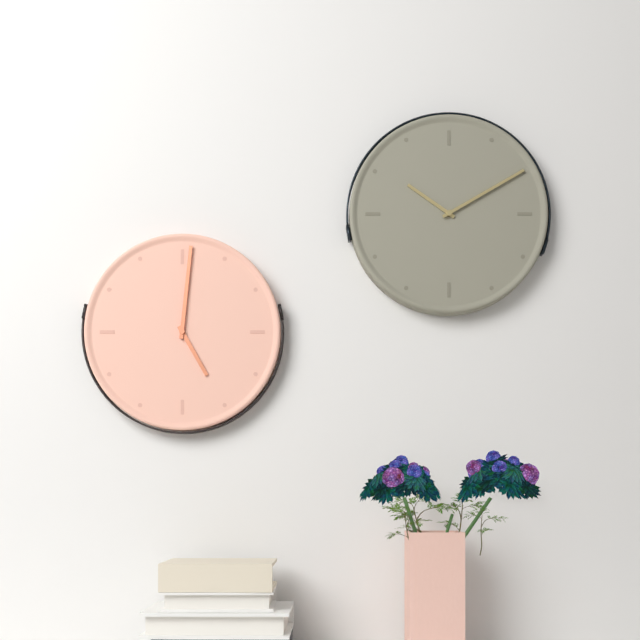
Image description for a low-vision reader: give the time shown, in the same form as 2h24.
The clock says 5h01
